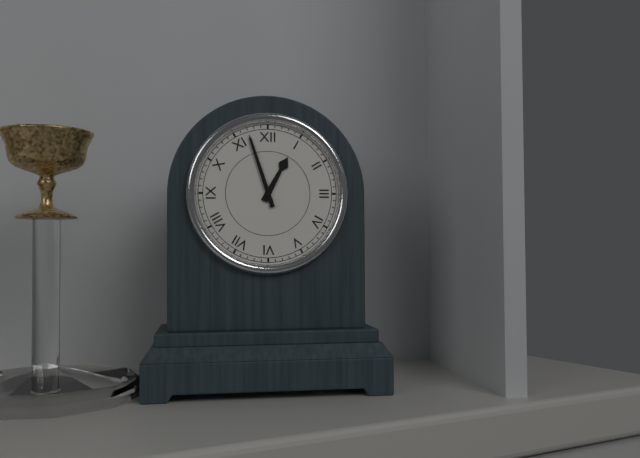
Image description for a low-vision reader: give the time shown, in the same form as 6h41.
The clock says 12h57
